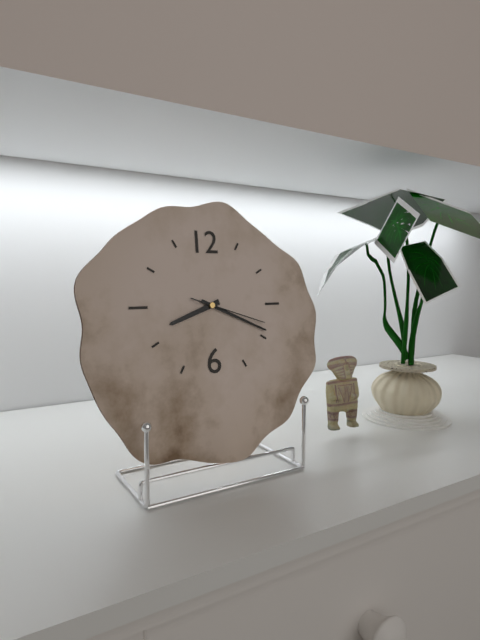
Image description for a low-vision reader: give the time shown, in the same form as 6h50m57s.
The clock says 8h19m18s
